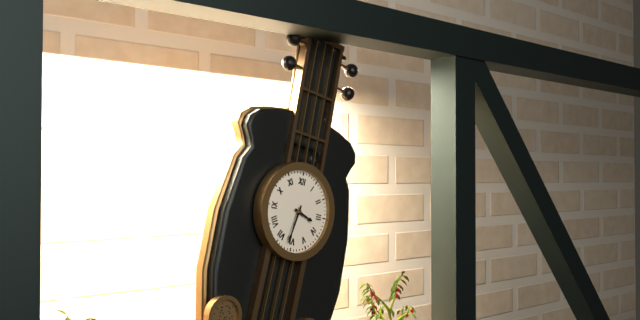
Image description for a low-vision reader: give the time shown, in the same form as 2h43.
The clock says 3h32
